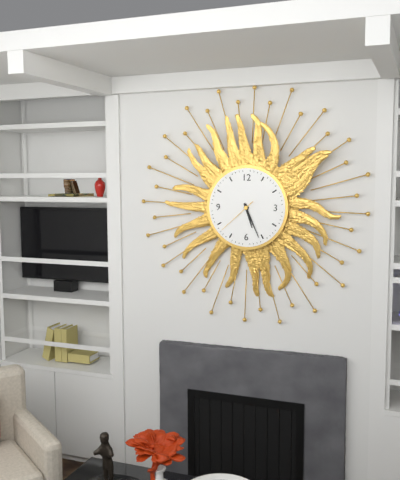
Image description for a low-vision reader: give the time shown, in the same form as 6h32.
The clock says 5h26
